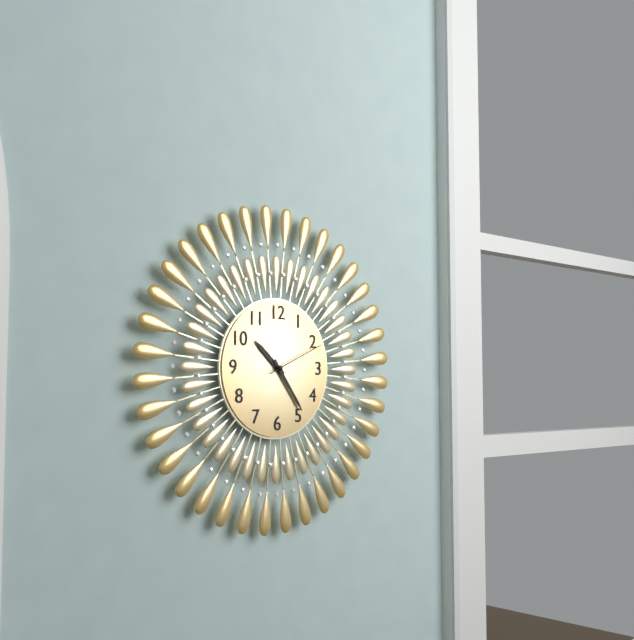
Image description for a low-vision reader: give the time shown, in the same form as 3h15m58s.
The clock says 10h24m11s
